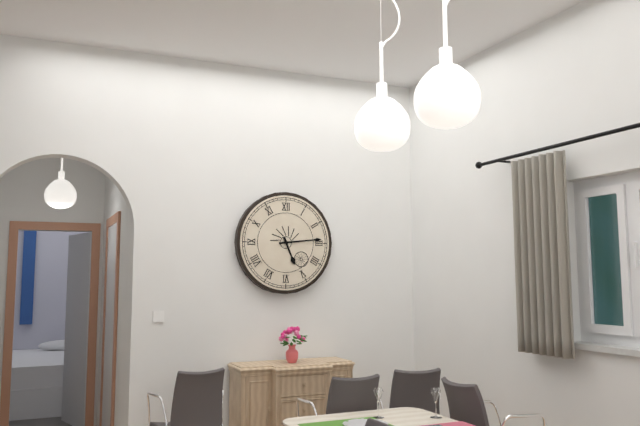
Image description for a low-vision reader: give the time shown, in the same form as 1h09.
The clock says 5h14
